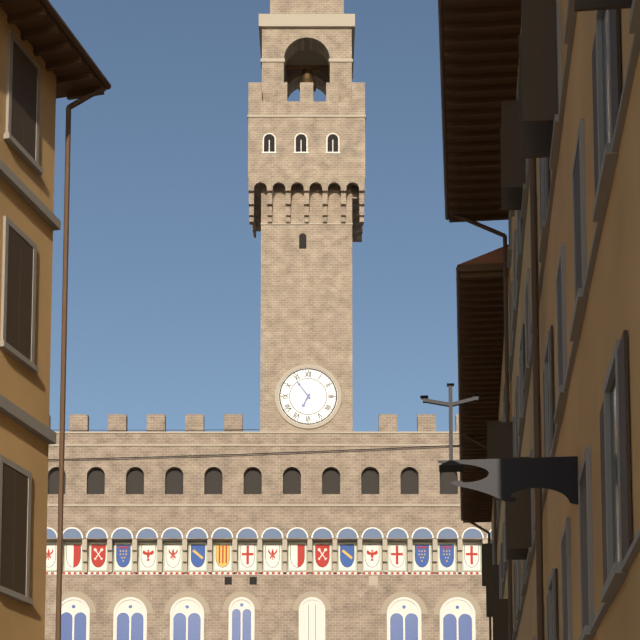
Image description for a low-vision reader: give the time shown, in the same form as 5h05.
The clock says 6h54
